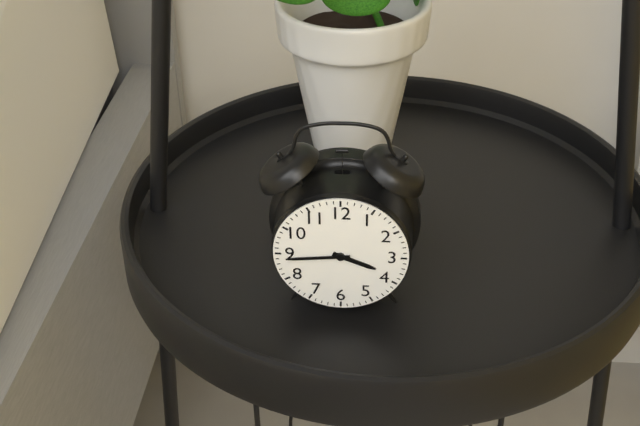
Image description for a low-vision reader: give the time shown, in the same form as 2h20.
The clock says 3h44
